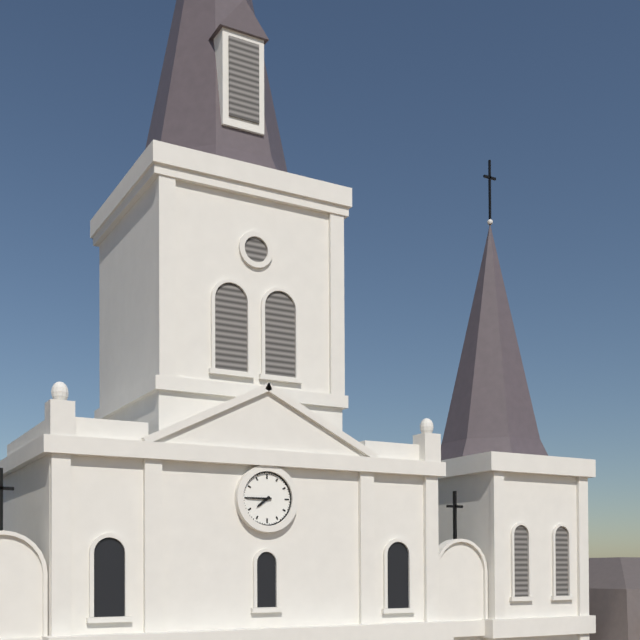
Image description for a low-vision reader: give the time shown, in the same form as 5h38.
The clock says 7h45
